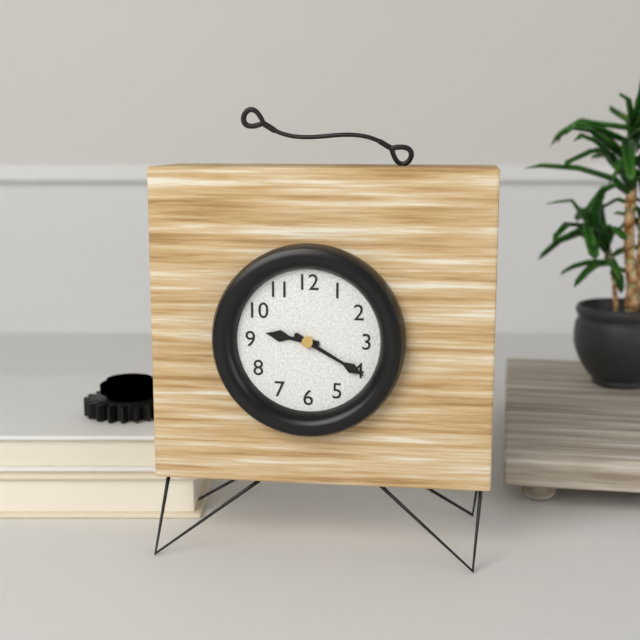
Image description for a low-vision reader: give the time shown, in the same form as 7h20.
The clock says 9h20
